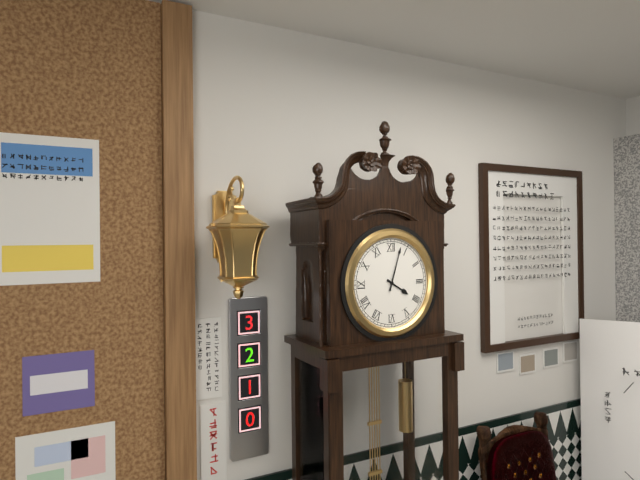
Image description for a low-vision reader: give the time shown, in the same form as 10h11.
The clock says 4h03
